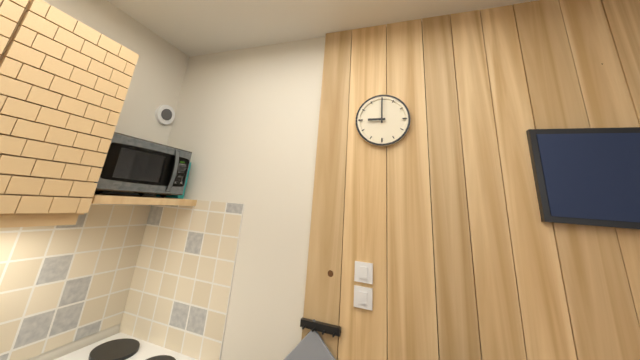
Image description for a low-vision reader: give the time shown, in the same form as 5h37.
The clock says 9h00
